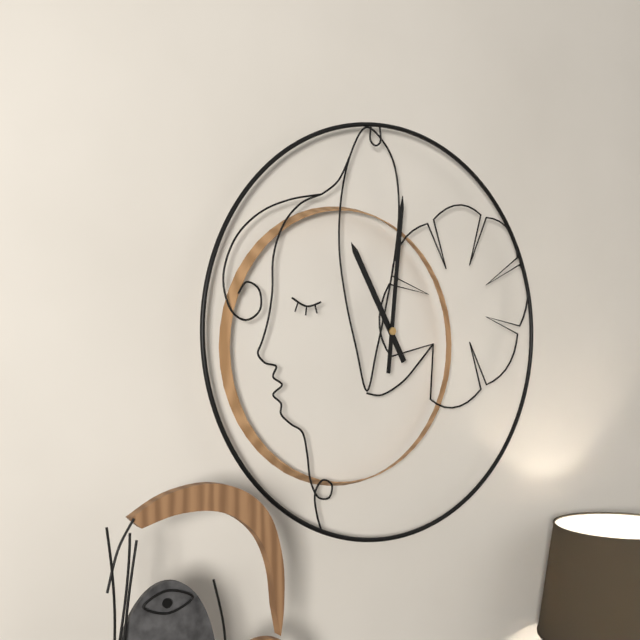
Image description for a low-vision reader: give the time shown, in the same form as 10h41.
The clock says 11h01
